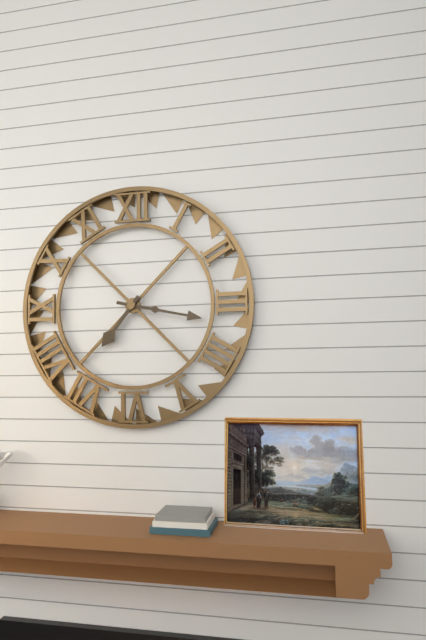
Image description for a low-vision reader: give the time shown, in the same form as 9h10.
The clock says 7h17
